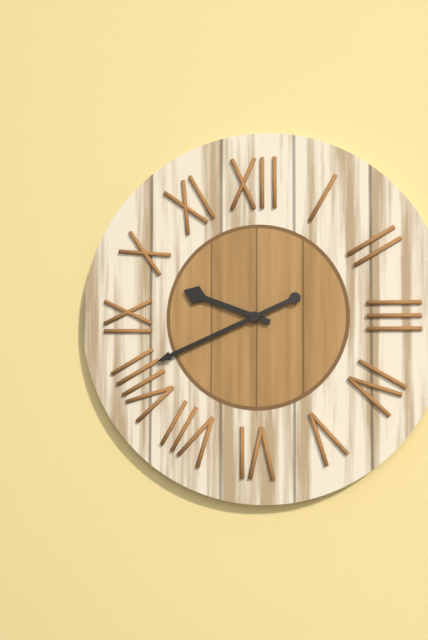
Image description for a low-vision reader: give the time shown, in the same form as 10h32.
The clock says 9h41
